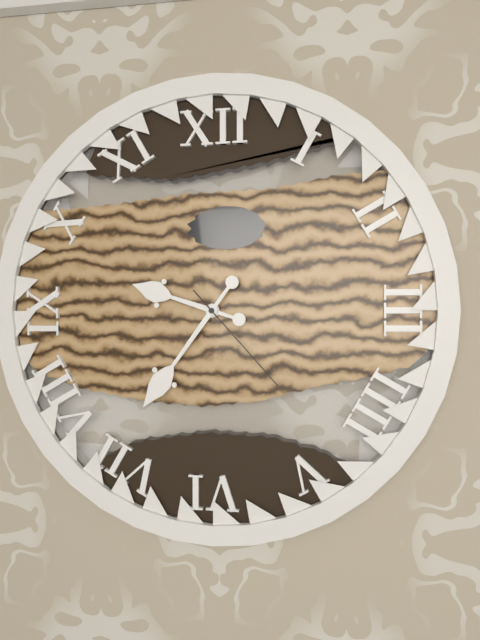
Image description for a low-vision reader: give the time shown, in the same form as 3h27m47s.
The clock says 9h36m23s
